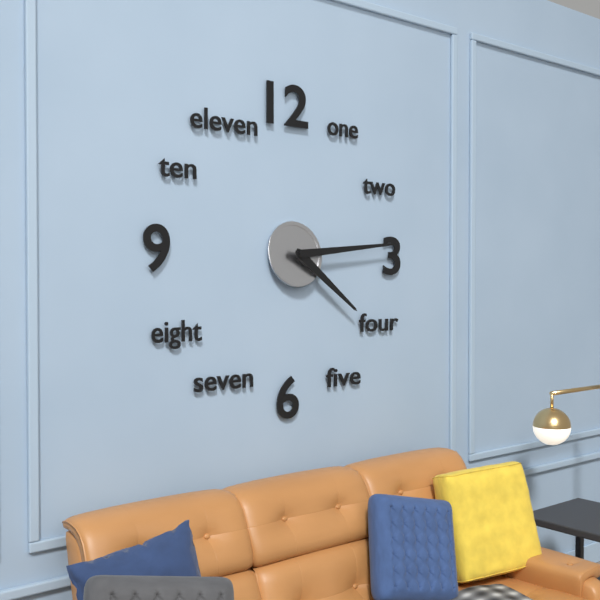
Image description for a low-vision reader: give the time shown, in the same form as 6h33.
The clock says 4h14
